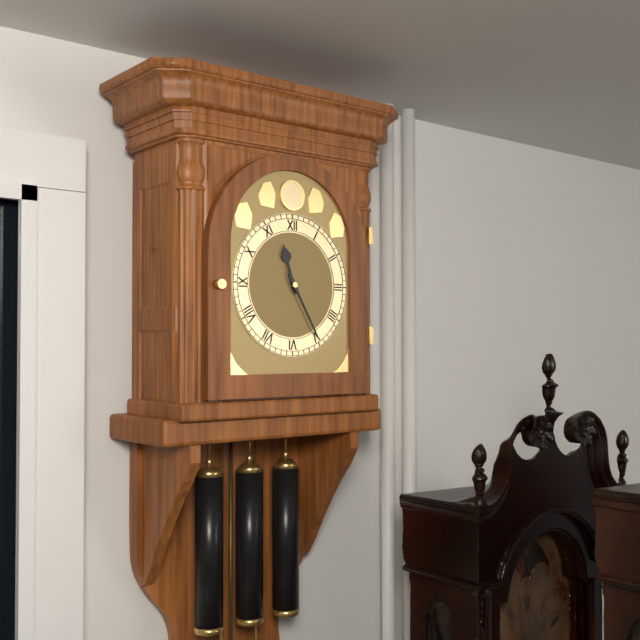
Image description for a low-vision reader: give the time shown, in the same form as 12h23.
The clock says 11h25
